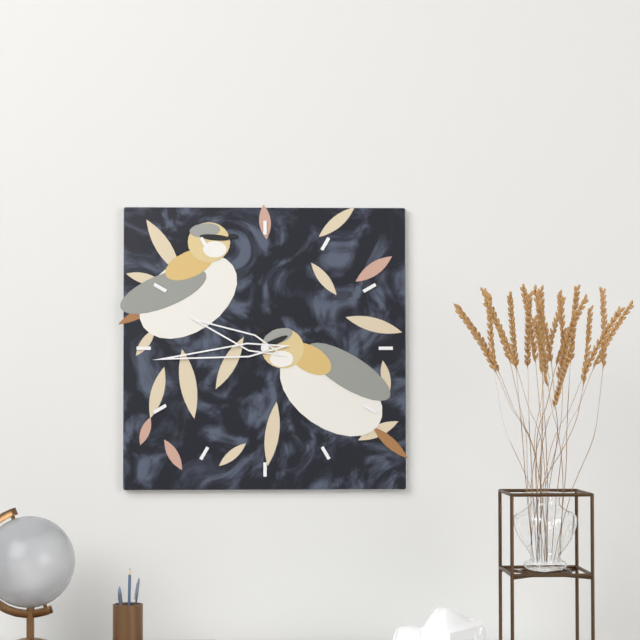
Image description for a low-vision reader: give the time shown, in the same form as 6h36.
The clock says 9h44
